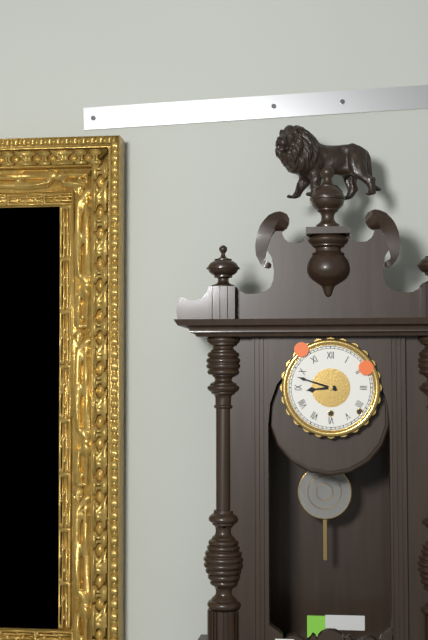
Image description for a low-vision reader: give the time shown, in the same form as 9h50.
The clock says 8h48
